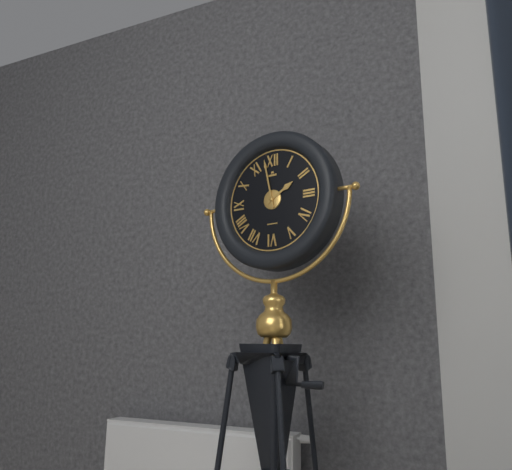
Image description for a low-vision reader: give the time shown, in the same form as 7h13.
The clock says 1h58
